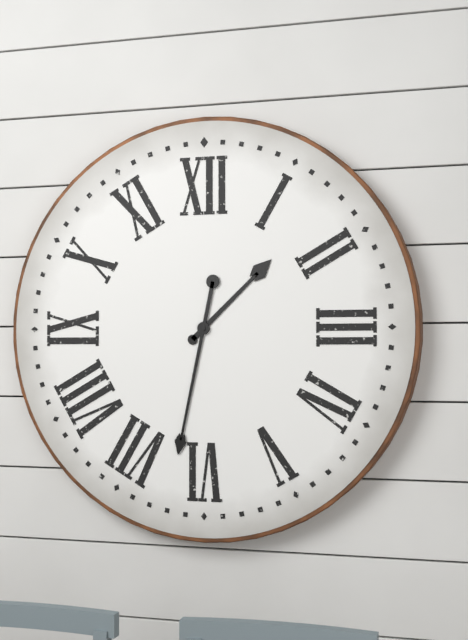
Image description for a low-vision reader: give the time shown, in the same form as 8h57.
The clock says 1h32
